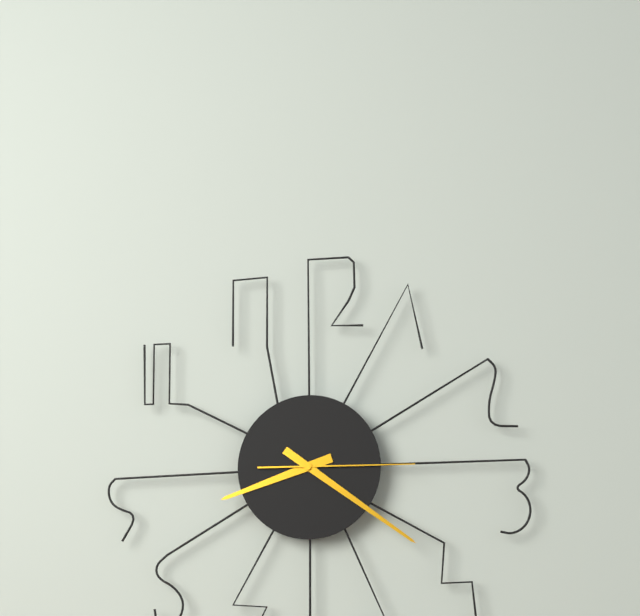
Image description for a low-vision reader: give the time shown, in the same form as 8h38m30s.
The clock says 8h21m15s
